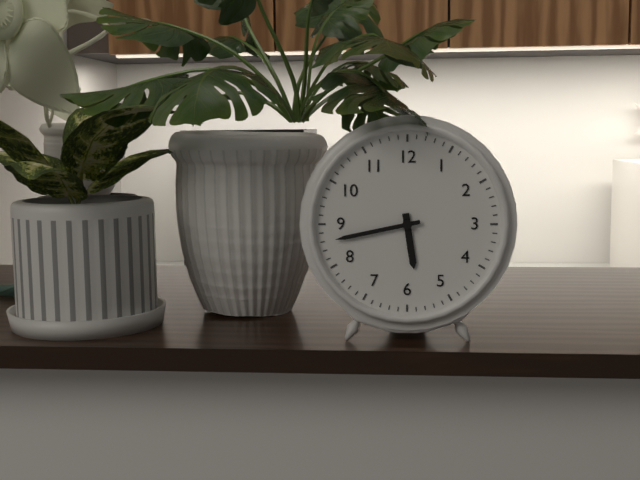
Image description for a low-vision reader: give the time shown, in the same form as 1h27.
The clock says 5h43
